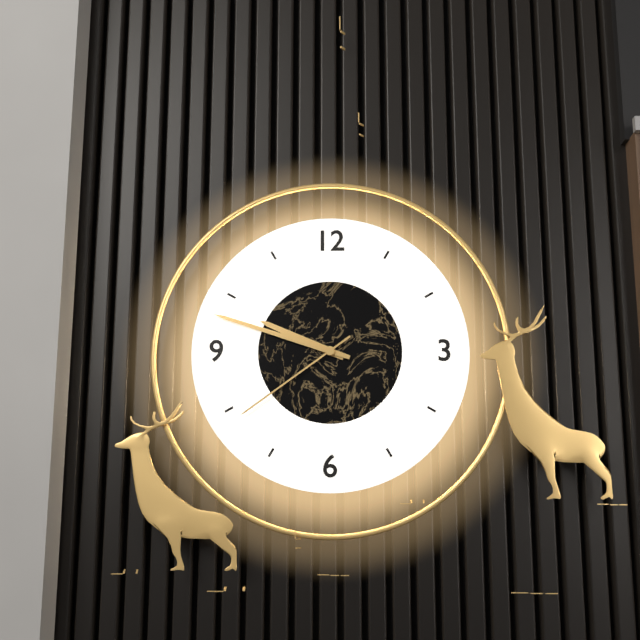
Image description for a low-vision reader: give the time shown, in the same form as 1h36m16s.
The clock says 9h48m39s
